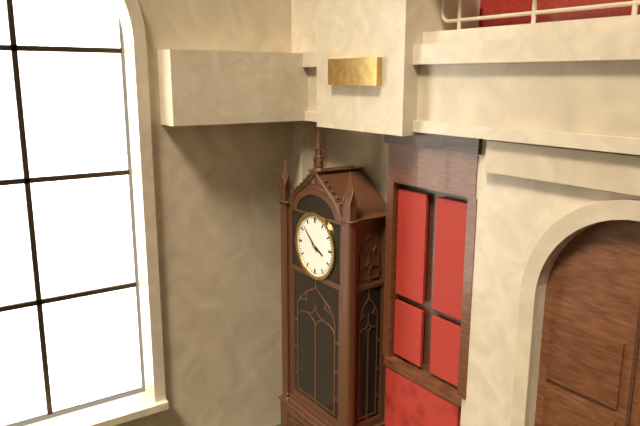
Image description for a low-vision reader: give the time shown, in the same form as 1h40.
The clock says 3h52
